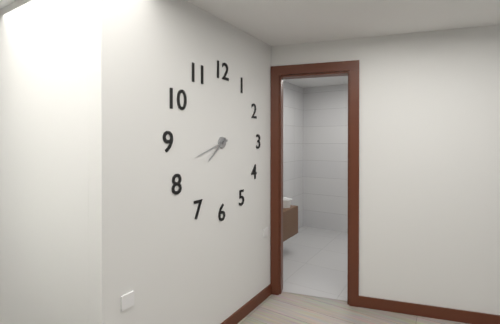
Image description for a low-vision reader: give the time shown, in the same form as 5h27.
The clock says 7h42
